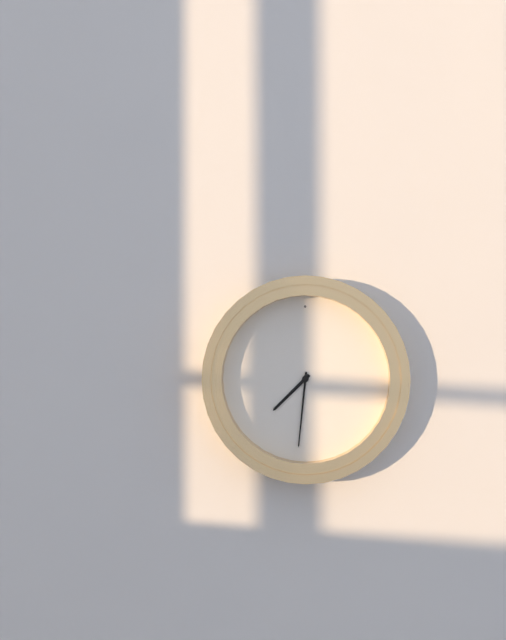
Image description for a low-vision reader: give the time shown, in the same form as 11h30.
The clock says 7h31
